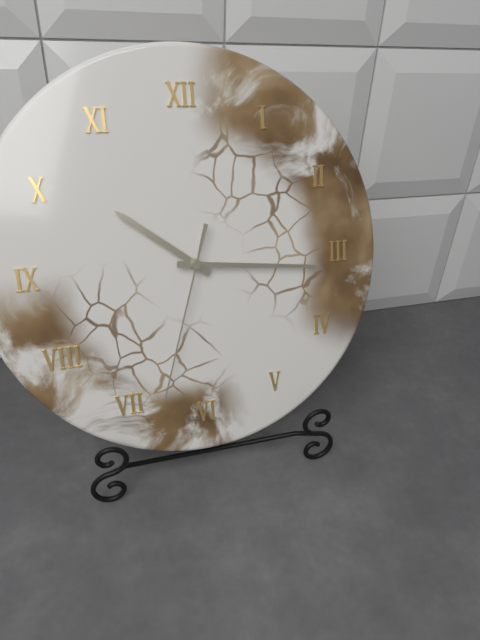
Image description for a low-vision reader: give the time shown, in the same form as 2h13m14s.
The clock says 10h16m33s
